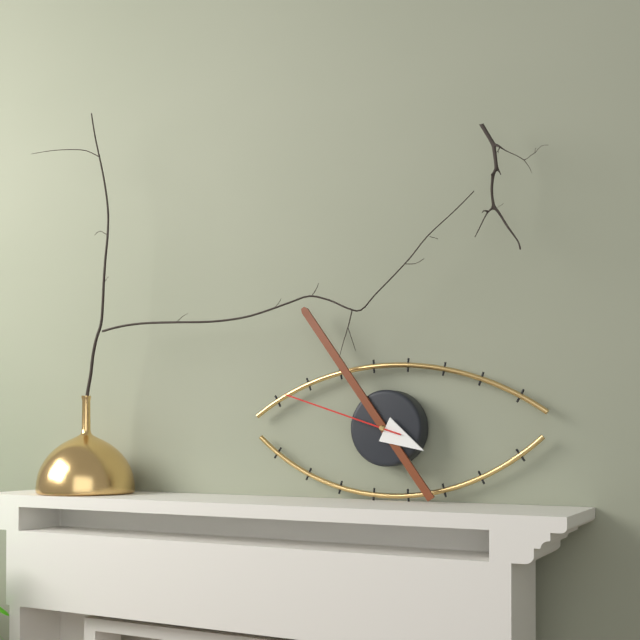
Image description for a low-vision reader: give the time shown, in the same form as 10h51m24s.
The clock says 3h54m48s
